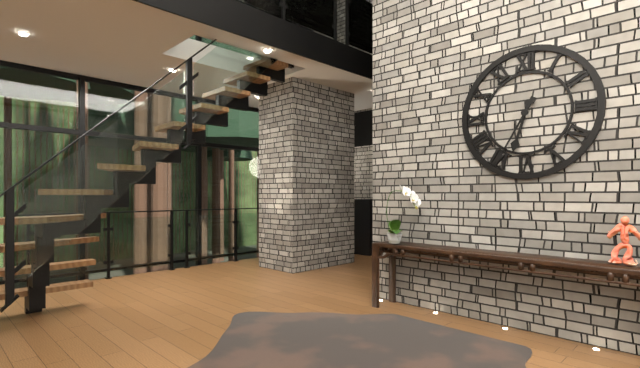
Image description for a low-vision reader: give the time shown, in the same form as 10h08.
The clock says 6h35
